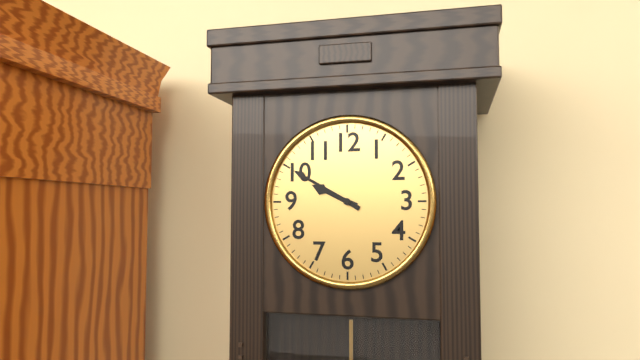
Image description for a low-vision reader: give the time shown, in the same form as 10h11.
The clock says 9h50
